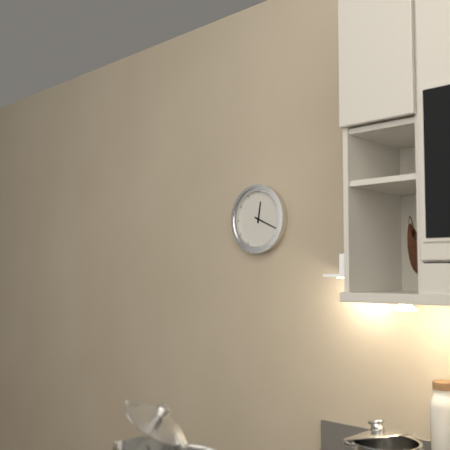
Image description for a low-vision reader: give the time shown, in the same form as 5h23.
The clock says 12h19
